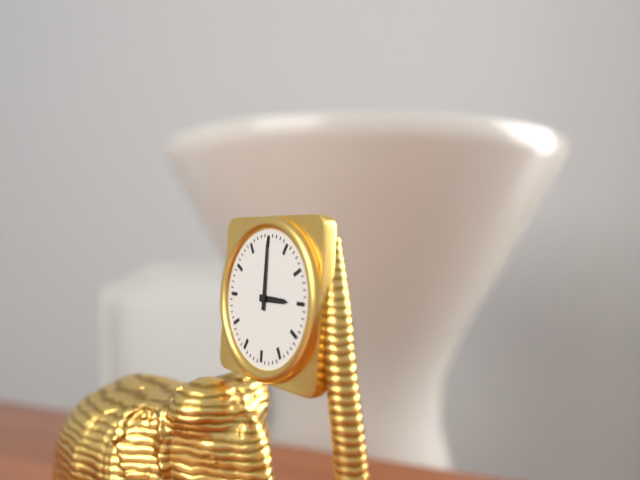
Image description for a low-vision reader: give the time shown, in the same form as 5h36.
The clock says 3h00
